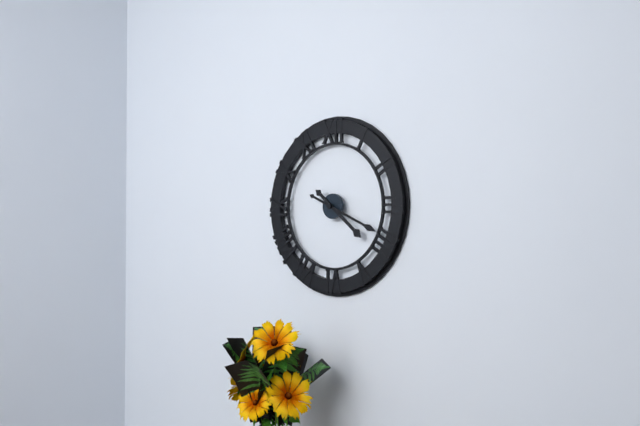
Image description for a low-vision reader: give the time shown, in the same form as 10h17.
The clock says 4h19
